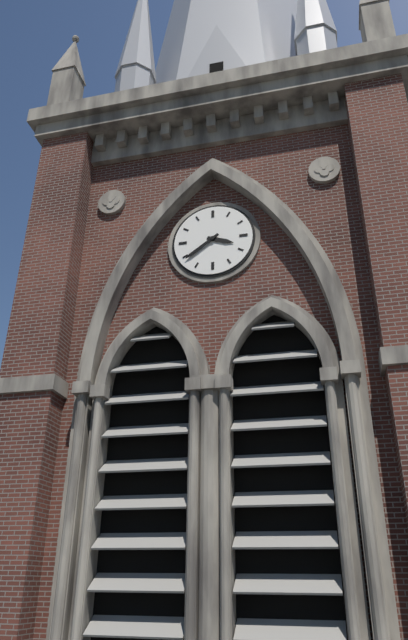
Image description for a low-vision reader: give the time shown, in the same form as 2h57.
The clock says 3h39
